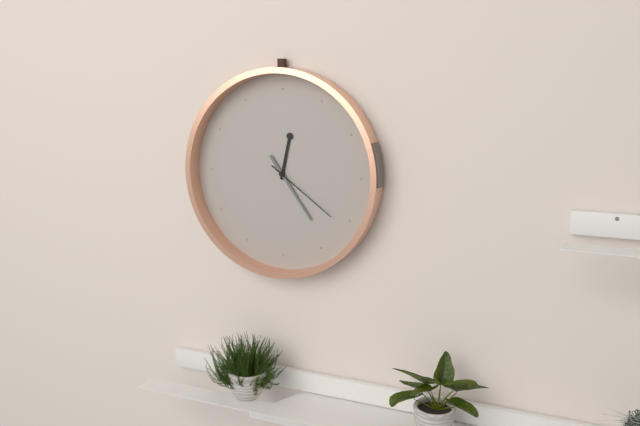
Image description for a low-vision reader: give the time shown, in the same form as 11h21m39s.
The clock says 12h24m21s
